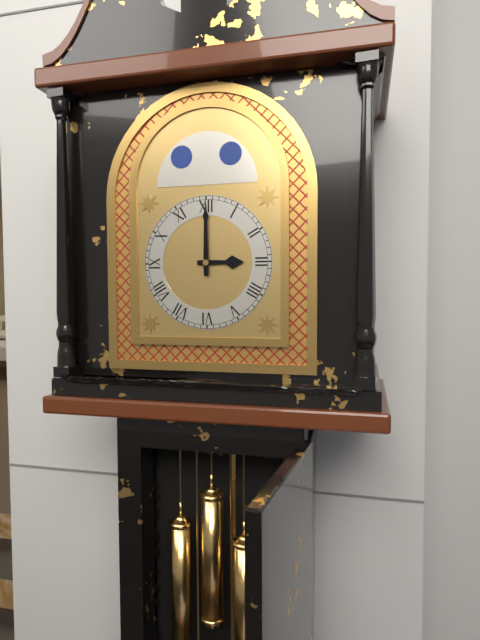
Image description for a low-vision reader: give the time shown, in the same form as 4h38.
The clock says 3h00
